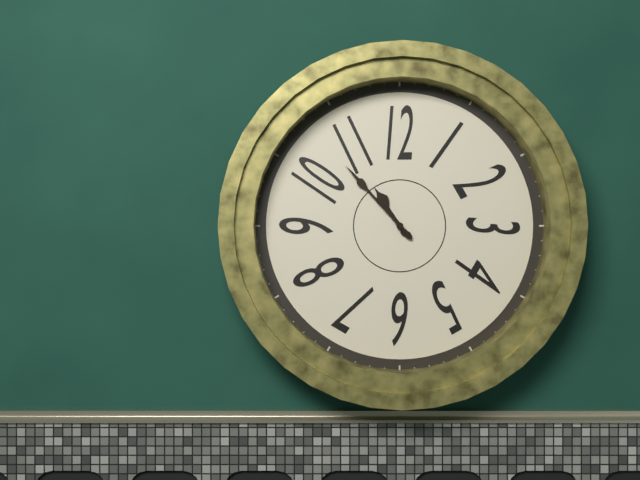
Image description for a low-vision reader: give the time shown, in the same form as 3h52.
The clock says 10h53
